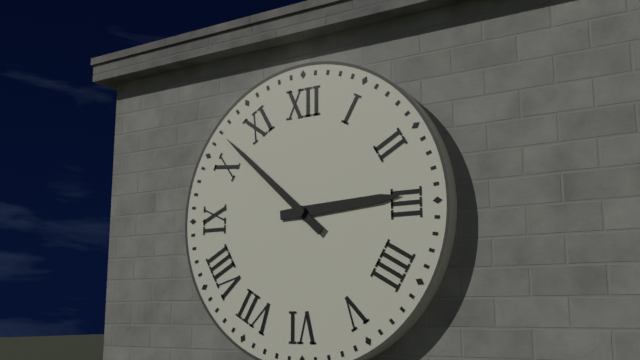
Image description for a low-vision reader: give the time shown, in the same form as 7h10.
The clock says 2h52
